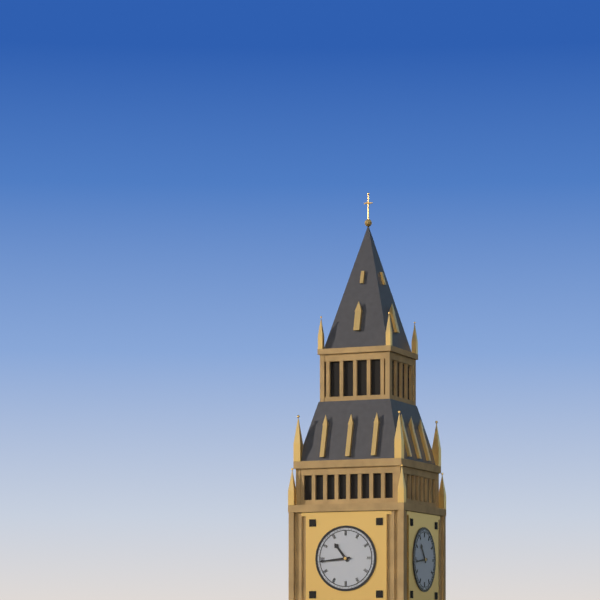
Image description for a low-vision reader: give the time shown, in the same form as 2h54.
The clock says 10h44
